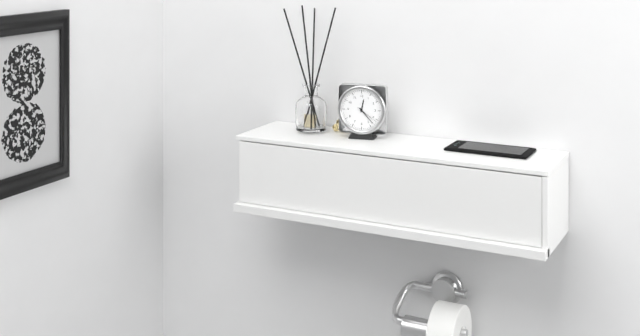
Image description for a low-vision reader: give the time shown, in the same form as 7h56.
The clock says 12h23
